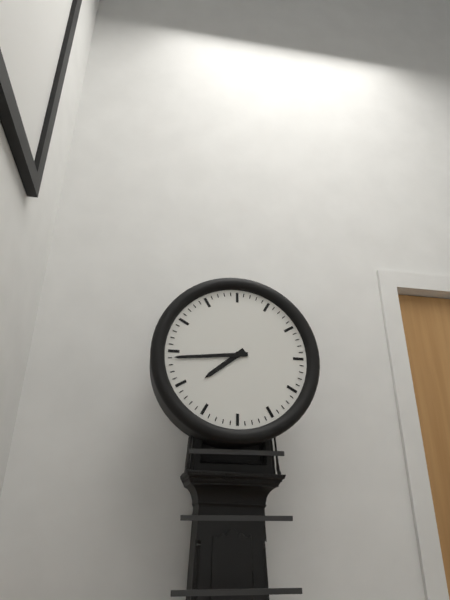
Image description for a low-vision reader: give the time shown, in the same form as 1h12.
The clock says 7h44
